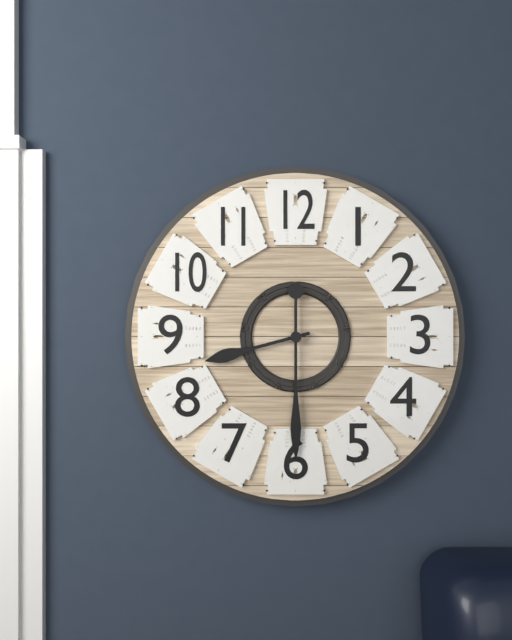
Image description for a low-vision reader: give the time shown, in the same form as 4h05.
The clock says 8h30
